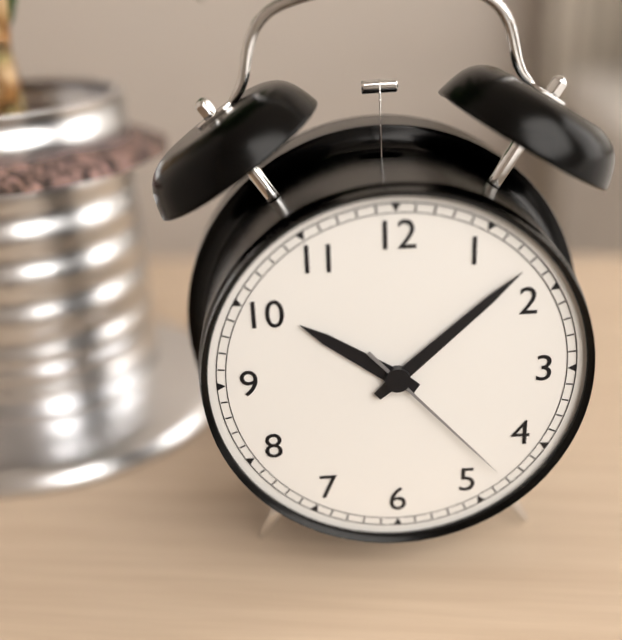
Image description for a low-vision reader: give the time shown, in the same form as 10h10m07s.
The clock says 10h08m23s
